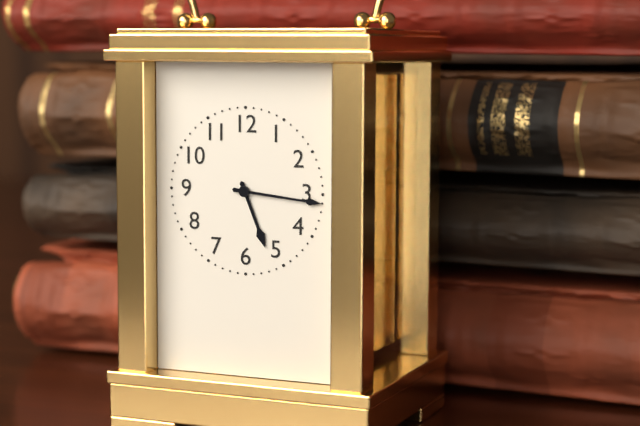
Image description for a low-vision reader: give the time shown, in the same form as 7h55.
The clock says 5h16
